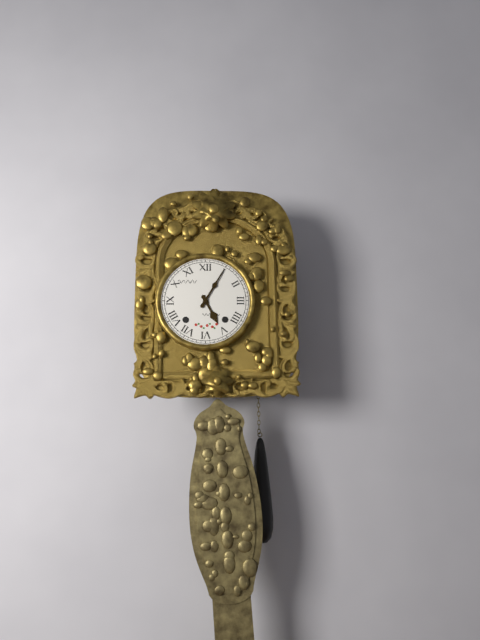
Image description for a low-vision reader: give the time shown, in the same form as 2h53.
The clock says 5h05
